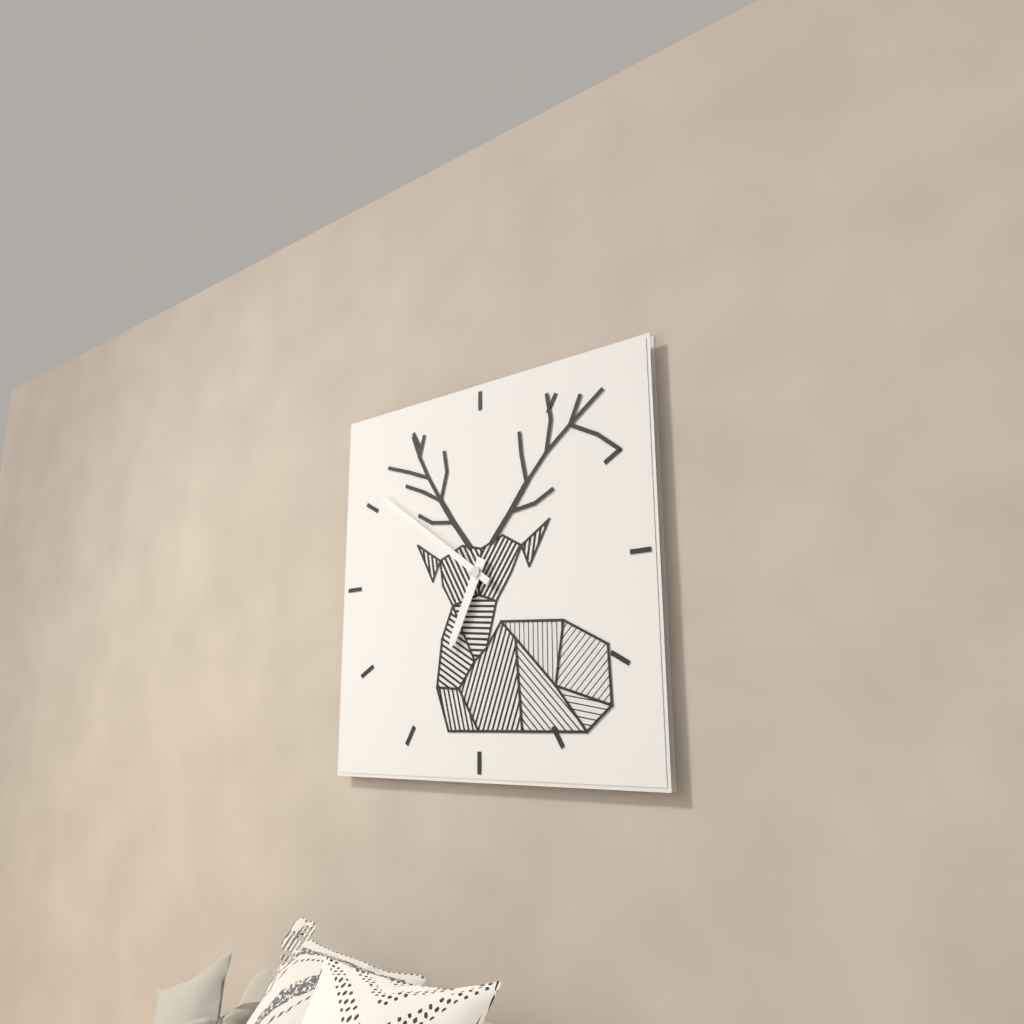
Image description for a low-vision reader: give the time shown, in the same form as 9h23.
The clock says 6h51
